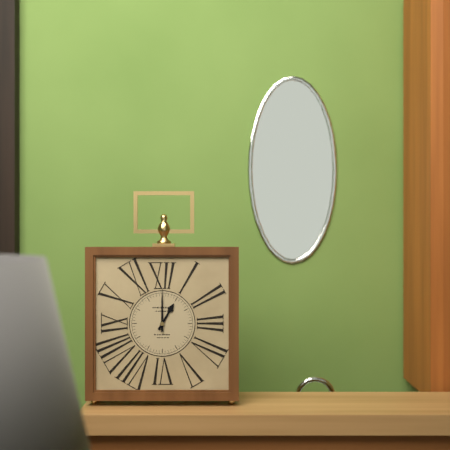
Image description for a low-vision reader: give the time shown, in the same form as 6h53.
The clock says 1h00
